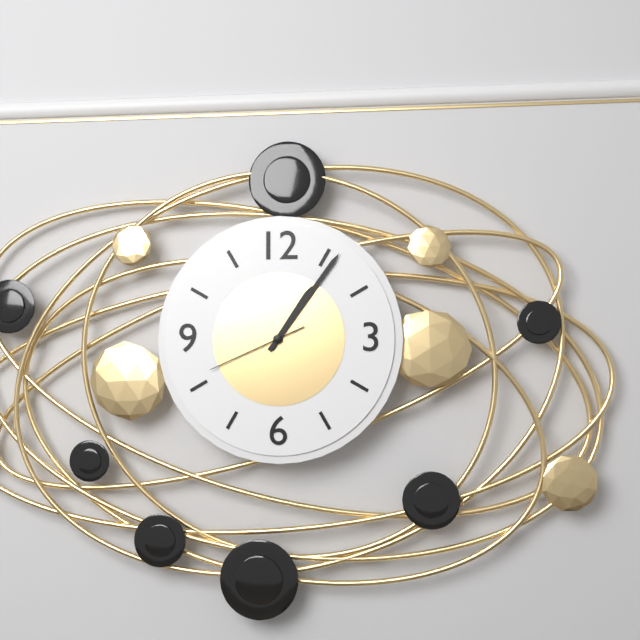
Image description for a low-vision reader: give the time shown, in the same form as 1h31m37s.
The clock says 1h06m41s
